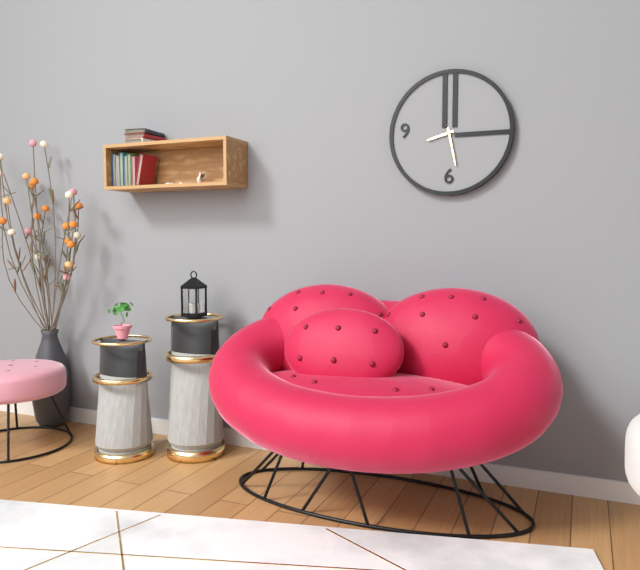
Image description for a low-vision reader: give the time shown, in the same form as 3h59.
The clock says 8h28
